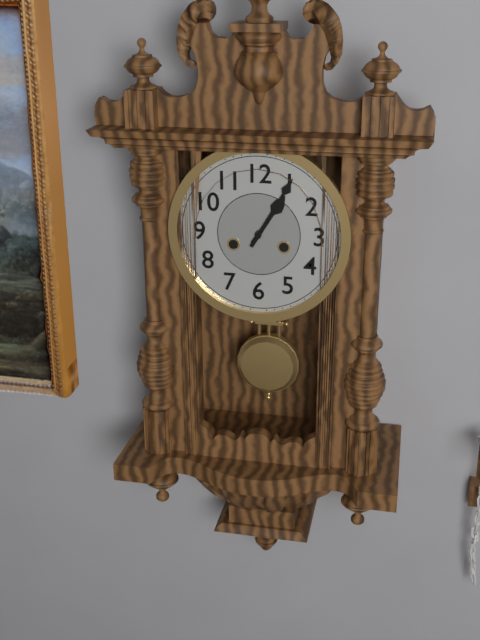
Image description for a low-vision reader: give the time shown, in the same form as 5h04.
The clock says 1h05
